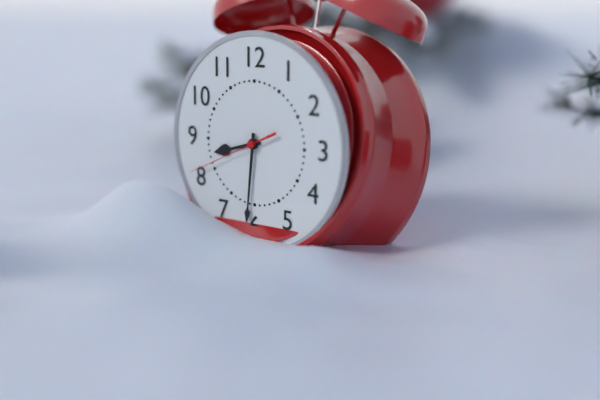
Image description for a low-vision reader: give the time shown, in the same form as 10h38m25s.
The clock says 8h31m41s
